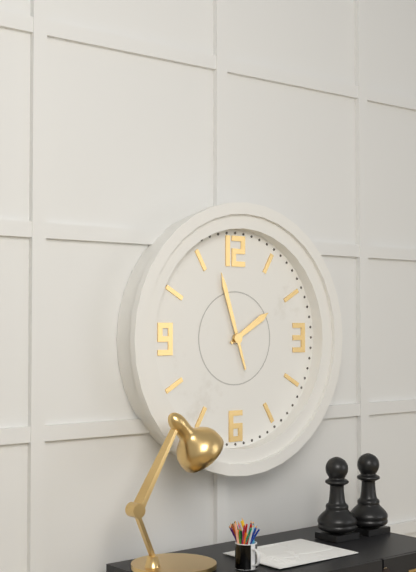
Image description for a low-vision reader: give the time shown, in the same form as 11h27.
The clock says 1h57
